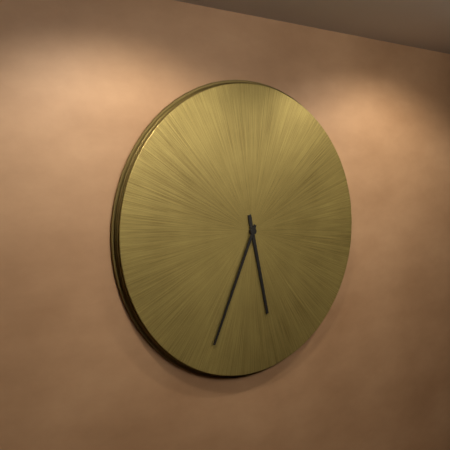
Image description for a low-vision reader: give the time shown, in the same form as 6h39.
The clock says 5h34
